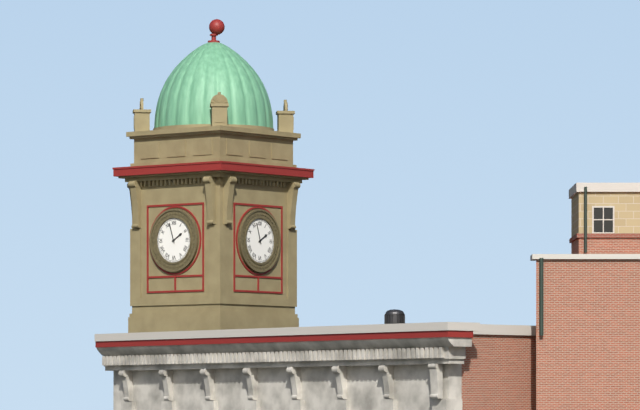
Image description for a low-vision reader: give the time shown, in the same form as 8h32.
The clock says 1h57
